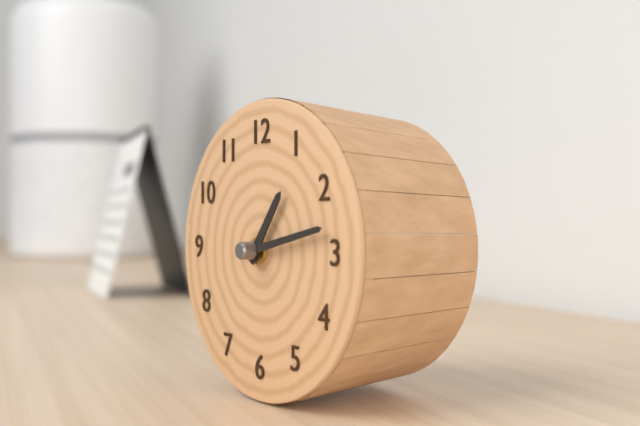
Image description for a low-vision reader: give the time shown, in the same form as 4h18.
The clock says 1h13
